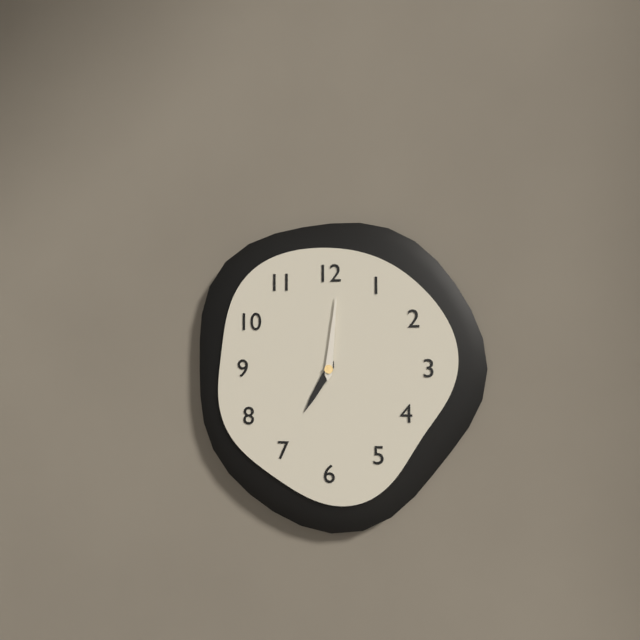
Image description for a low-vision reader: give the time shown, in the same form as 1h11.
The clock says 7h01
